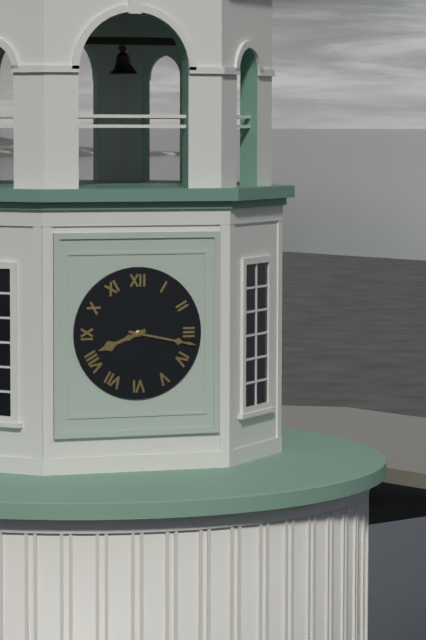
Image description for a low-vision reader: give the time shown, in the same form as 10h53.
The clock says 8h17
